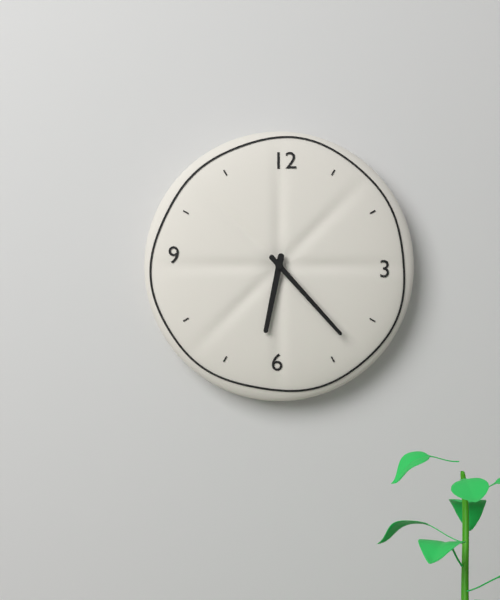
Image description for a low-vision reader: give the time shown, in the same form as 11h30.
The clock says 6h23
